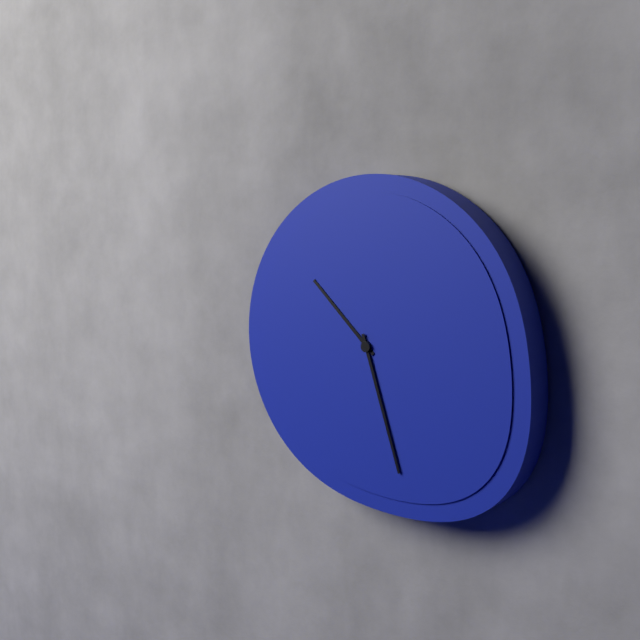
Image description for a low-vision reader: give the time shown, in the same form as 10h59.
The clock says 10h27
